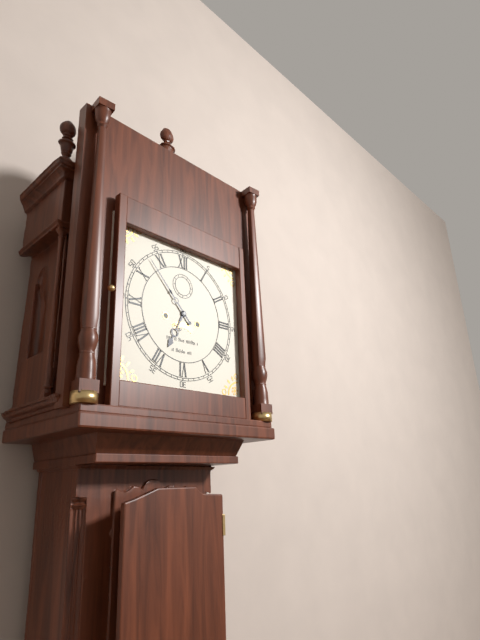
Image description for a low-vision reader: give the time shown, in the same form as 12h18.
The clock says 6h53
